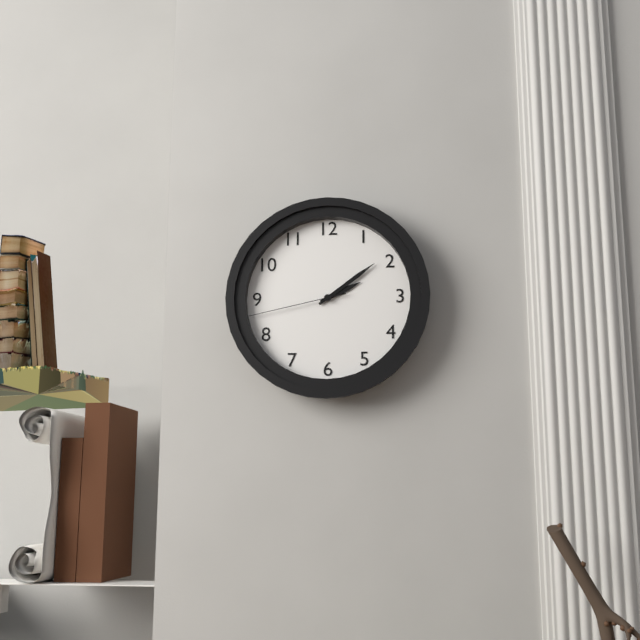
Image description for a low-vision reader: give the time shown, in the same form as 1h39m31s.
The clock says 2h09m43s
